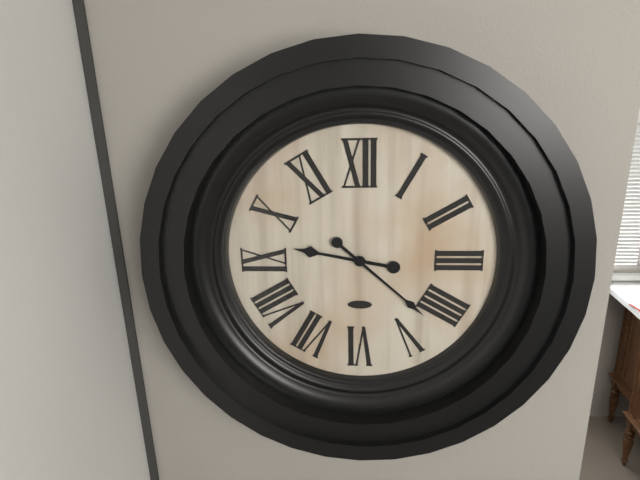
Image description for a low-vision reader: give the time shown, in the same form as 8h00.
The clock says 9h22
